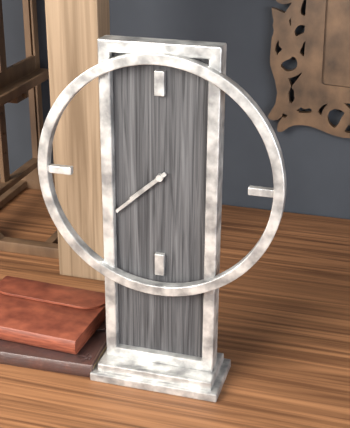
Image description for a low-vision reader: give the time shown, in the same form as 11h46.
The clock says 7h38
